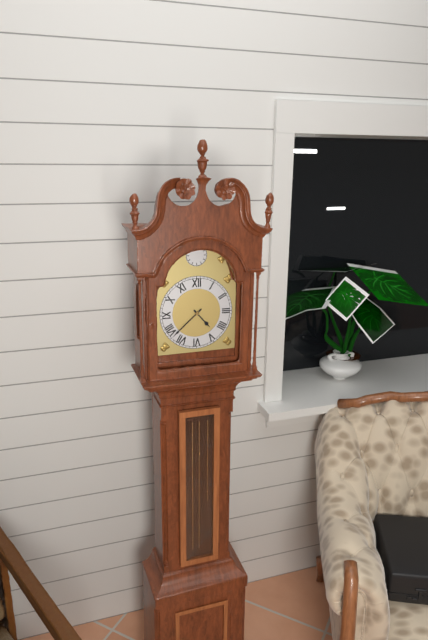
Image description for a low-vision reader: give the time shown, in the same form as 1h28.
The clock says 4h38
